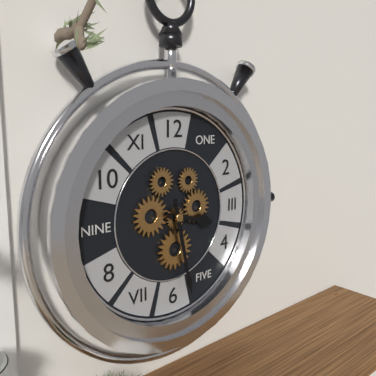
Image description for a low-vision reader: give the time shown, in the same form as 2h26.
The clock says 3h28
